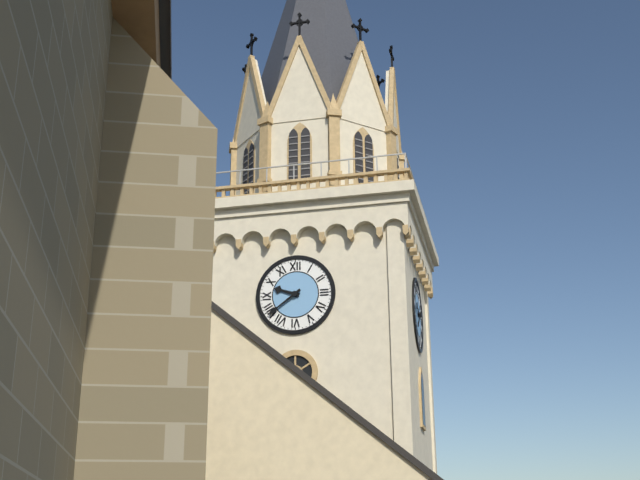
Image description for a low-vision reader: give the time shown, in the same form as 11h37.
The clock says 9h39
